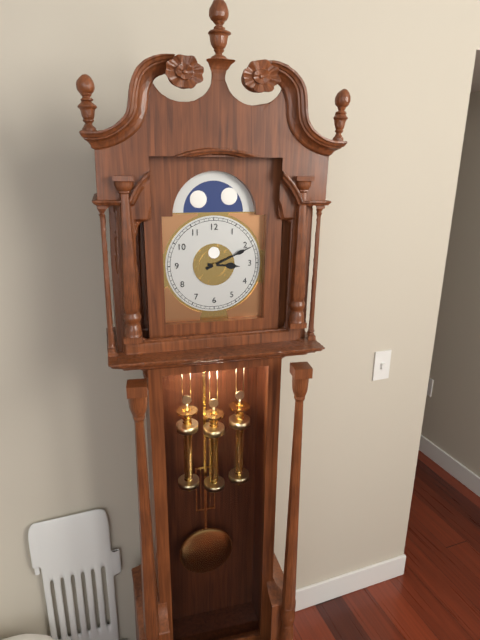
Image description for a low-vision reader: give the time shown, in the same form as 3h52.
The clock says 3h11
